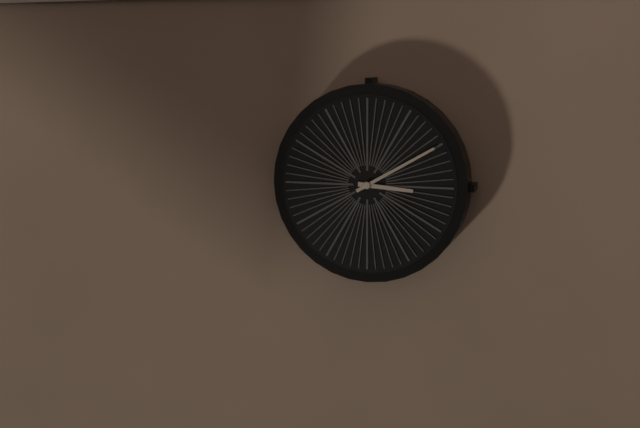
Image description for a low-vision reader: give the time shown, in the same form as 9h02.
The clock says 3h10
